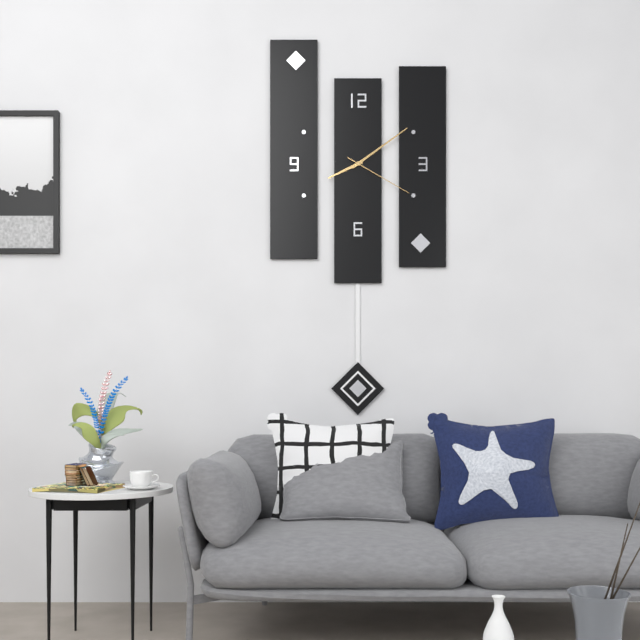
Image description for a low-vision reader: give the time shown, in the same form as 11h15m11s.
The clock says 8h09m20s
